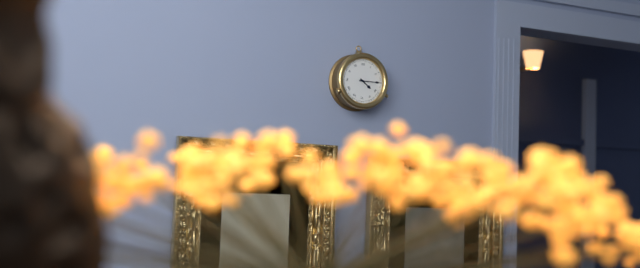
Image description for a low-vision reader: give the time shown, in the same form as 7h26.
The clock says 4h15
